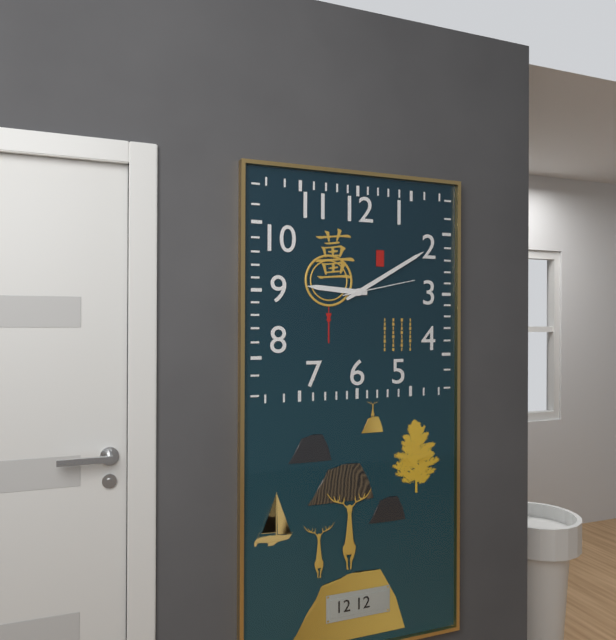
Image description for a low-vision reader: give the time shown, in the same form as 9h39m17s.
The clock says 9h10m13s
